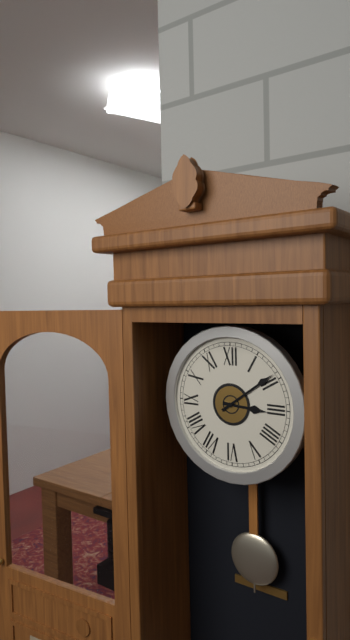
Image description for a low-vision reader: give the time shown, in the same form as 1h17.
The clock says 3h09
